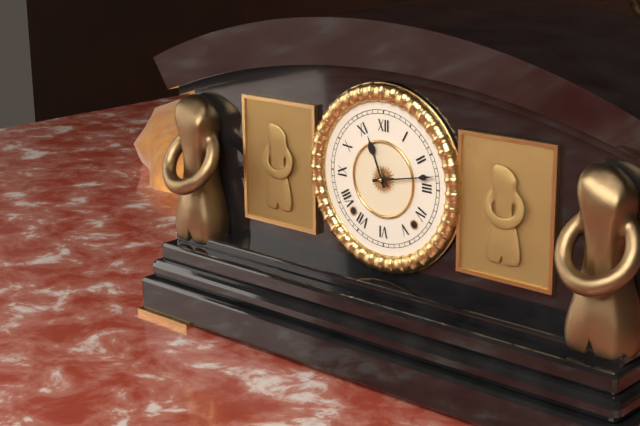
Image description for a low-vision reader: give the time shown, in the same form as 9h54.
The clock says 11h13
